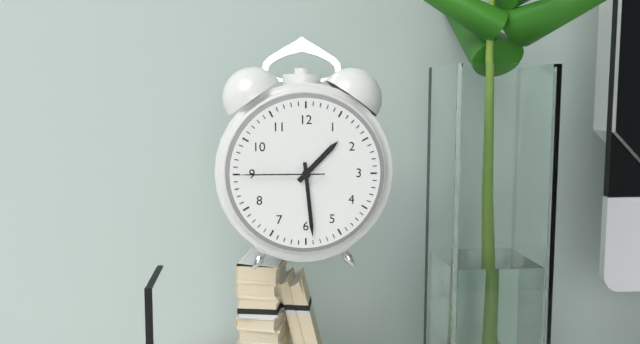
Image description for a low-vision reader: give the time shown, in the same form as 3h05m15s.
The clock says 1h29m45s
